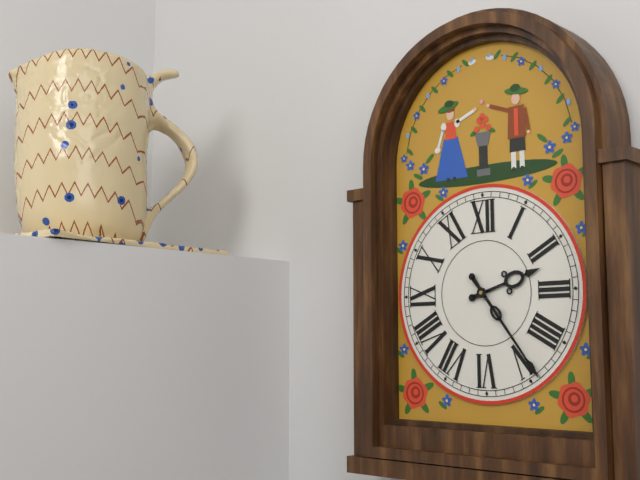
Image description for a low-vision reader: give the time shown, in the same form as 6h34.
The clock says 2h24
